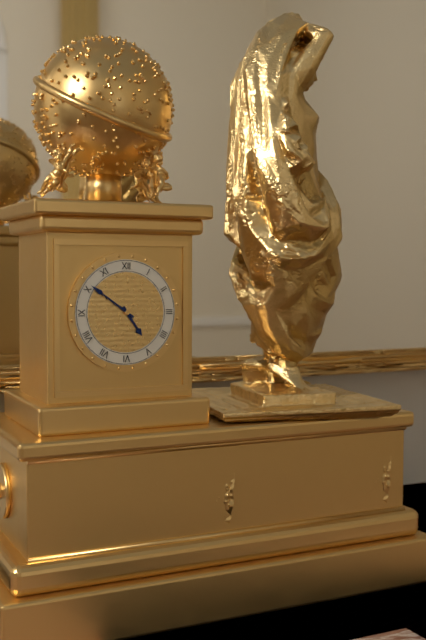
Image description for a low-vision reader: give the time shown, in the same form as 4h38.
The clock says 4h51
